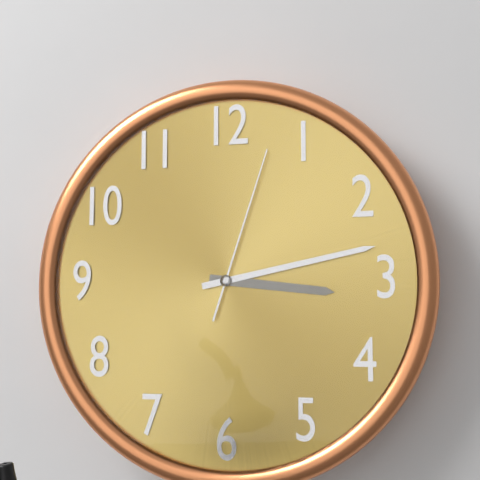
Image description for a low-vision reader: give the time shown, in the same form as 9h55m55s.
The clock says 3h13m03s
